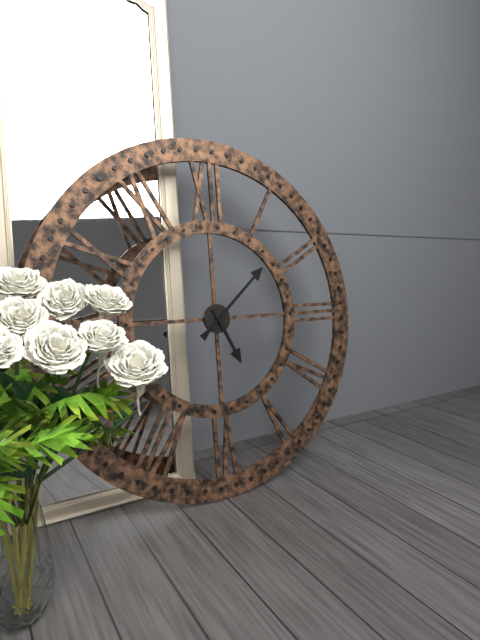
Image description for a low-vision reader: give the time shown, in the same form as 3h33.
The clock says 5h08
